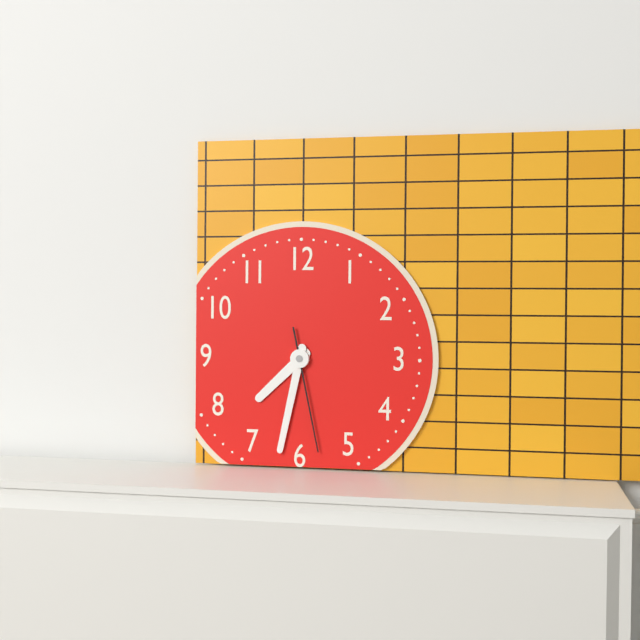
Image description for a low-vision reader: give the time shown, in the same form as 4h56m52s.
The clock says 7h32m28s
